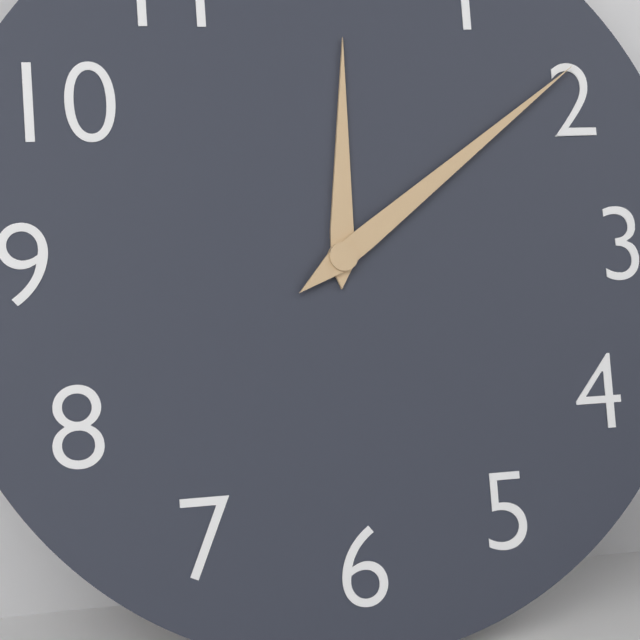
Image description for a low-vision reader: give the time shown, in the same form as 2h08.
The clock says 12h09
